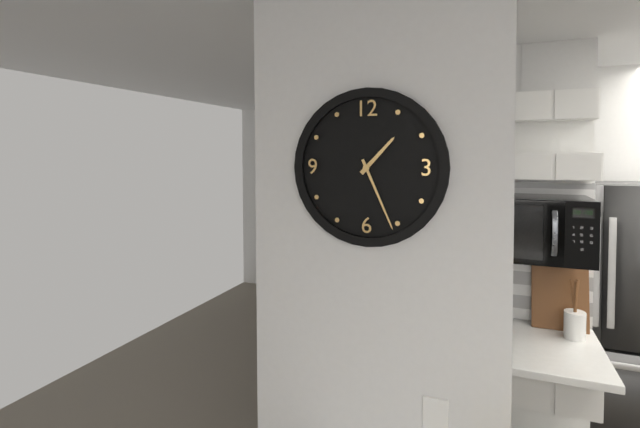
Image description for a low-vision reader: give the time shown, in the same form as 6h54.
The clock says 1h26
